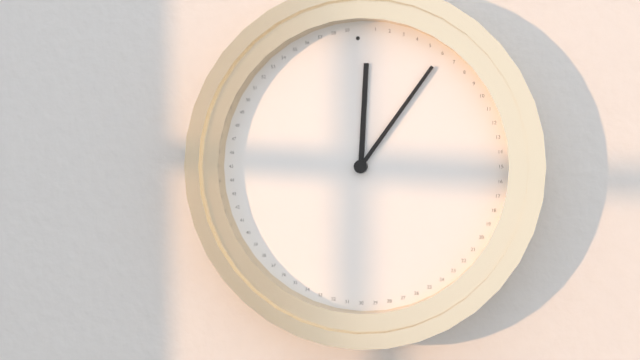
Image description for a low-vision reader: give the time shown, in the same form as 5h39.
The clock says 12h06
